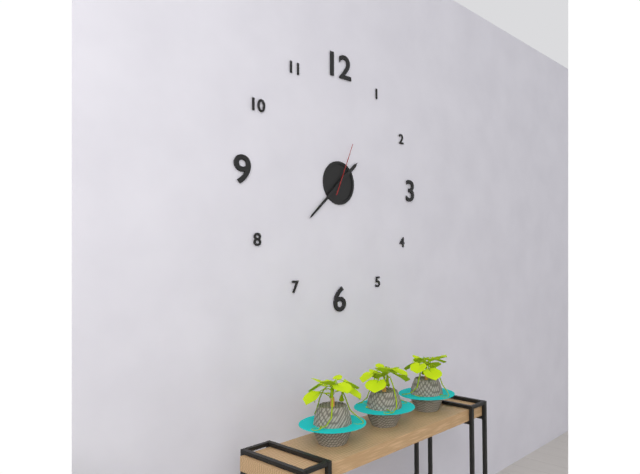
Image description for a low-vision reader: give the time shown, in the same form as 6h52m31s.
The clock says 1h38m04s
